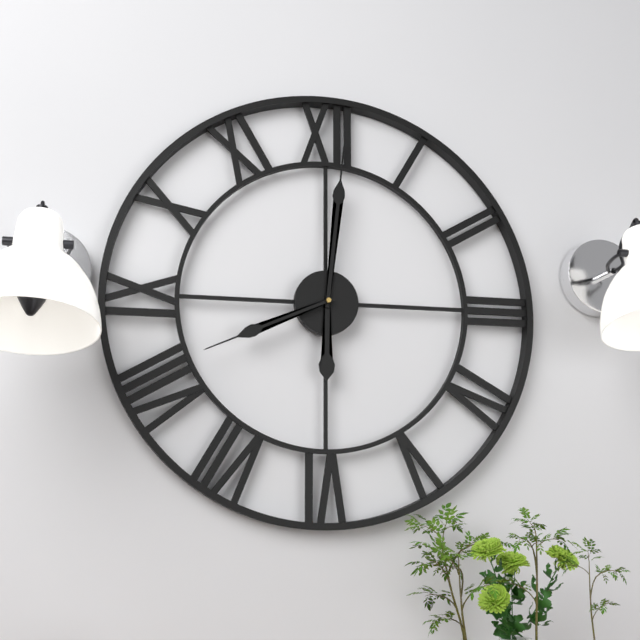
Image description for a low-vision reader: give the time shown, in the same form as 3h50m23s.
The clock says 6h01m41s
